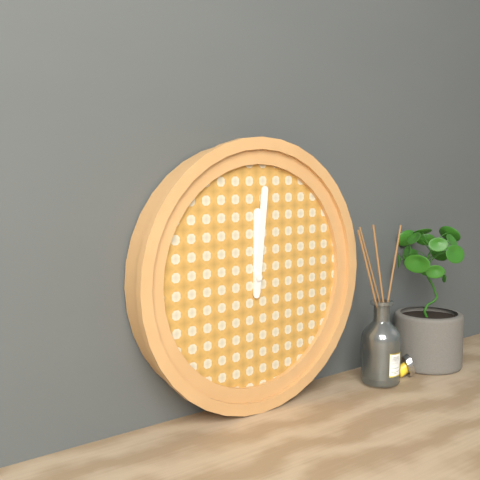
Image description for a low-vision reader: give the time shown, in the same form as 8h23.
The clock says 12h01
